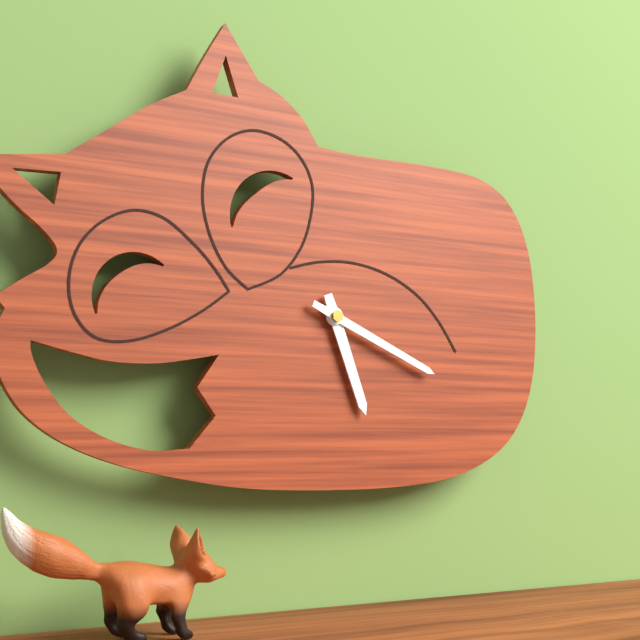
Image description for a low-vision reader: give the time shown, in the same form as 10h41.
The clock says 5h19
